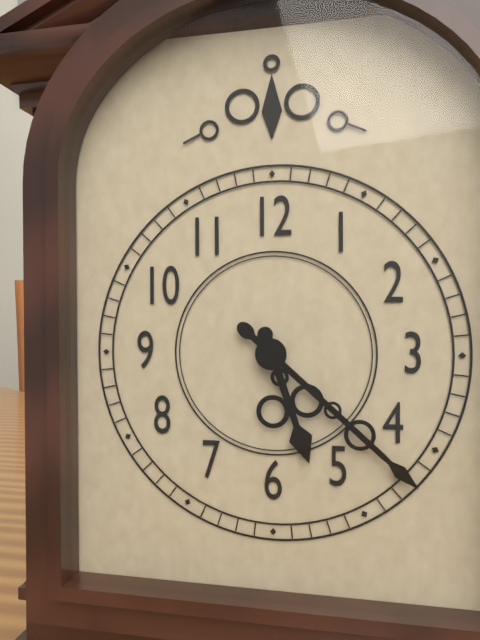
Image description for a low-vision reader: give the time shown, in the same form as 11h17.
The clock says 5h22
